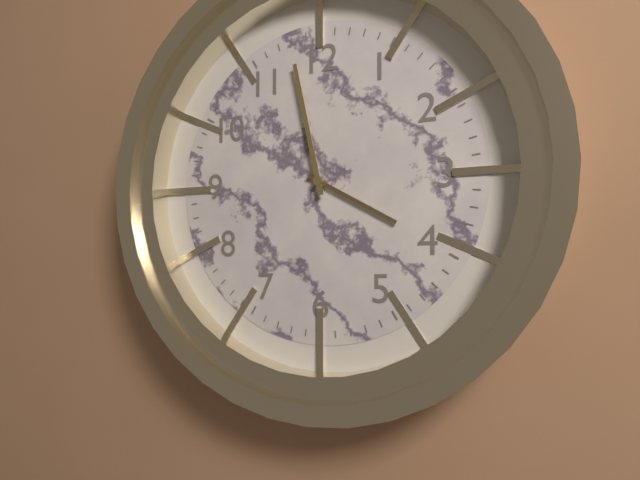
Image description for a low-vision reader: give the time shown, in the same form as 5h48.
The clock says 3h58
